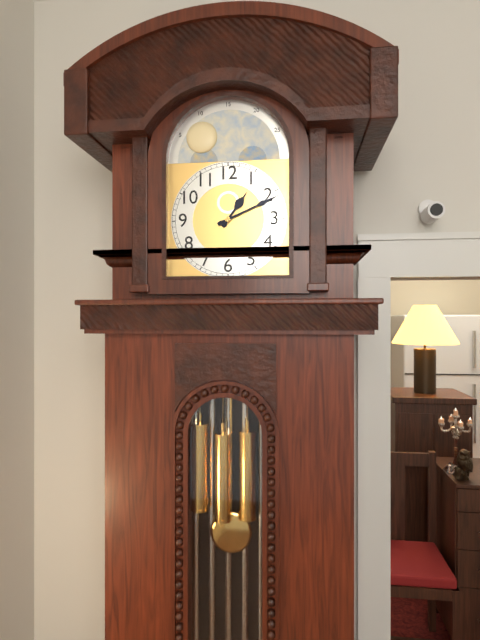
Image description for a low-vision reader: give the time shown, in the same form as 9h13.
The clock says 1h11
